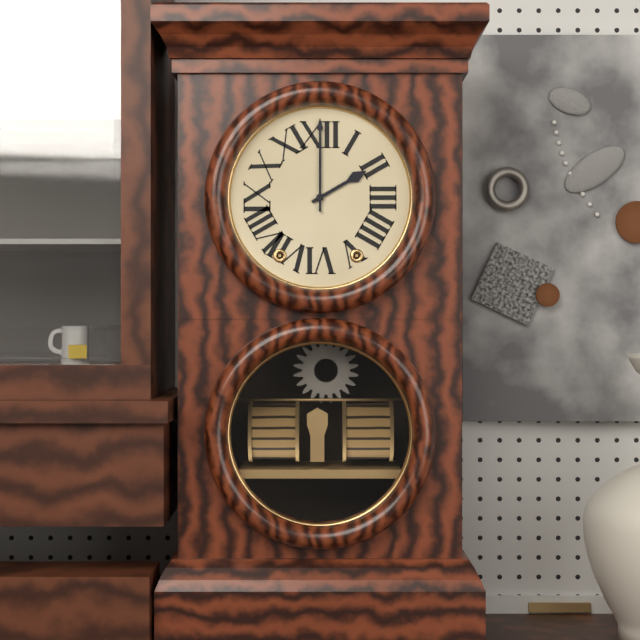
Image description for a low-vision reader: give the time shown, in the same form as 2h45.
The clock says 2h00
